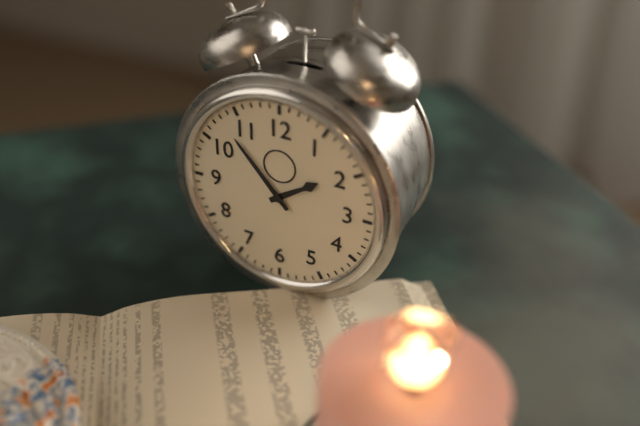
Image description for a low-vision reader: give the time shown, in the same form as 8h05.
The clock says 1h53
